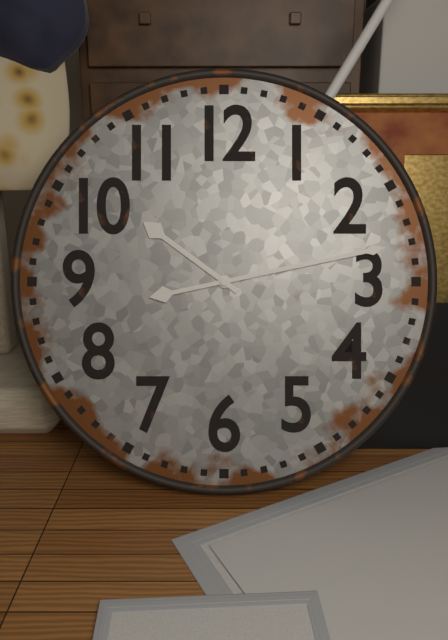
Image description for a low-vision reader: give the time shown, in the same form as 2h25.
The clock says 10h13
